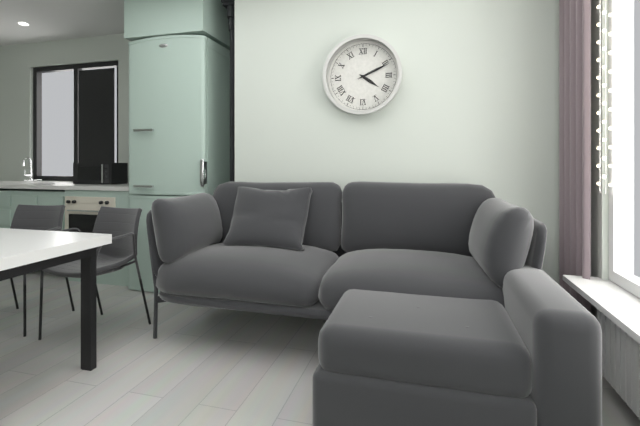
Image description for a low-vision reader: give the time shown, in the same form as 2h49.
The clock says 4h11
